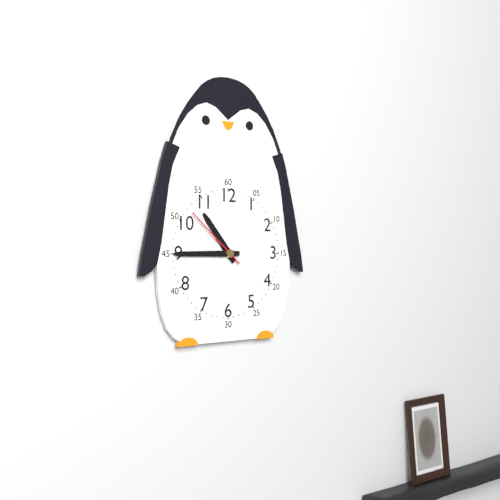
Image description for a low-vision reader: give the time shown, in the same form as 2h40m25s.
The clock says 10h45m52s
